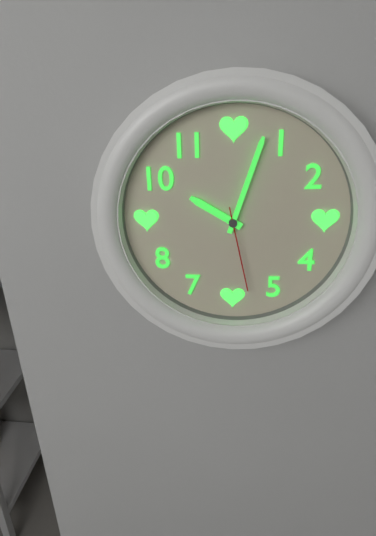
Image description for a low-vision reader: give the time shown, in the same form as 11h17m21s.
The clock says 10h03m28s
